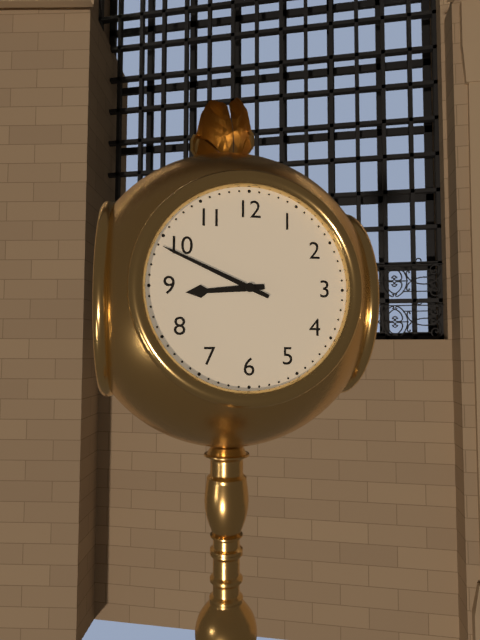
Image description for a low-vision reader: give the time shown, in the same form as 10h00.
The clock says 8h49
